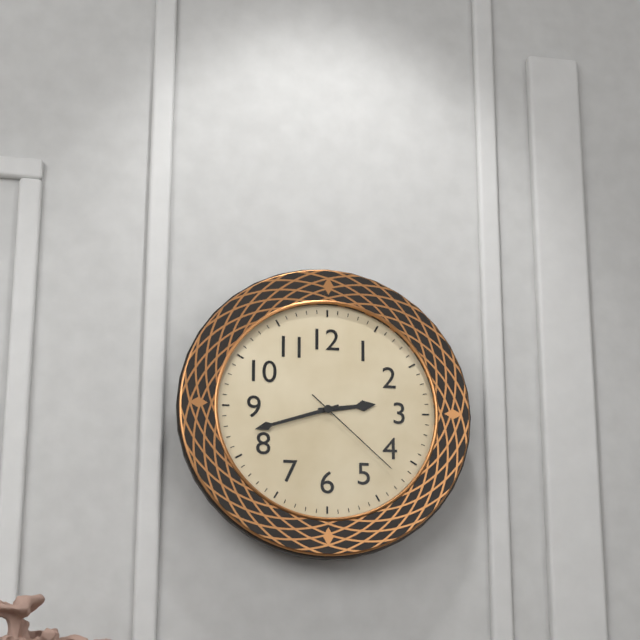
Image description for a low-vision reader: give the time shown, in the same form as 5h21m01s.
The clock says 2h42m22s
